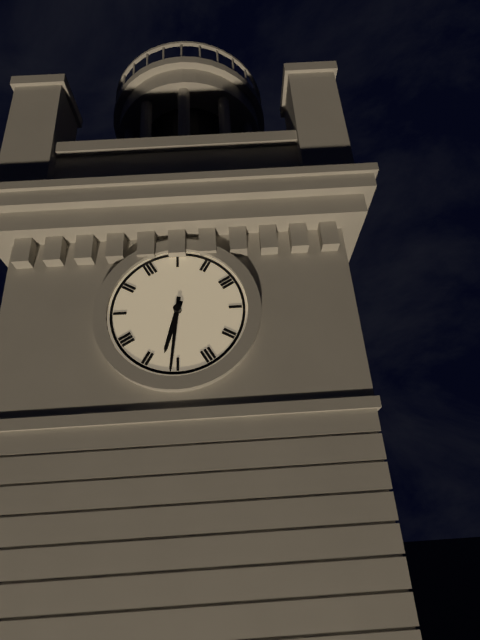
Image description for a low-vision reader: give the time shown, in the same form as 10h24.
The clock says 6h31
